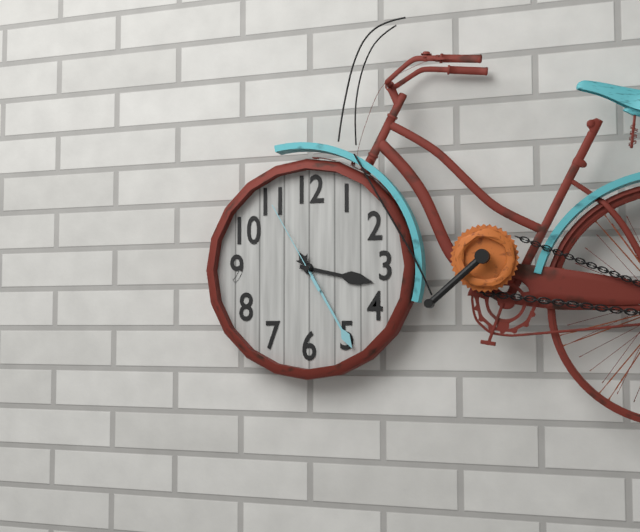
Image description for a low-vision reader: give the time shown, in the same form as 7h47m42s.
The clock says 3h25m55s
